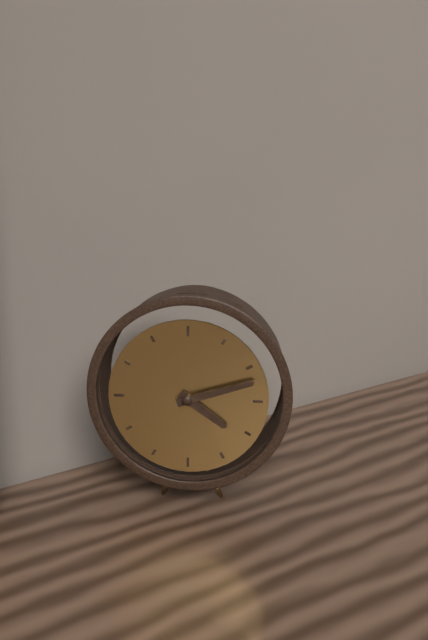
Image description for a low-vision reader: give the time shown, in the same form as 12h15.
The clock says 4h12
